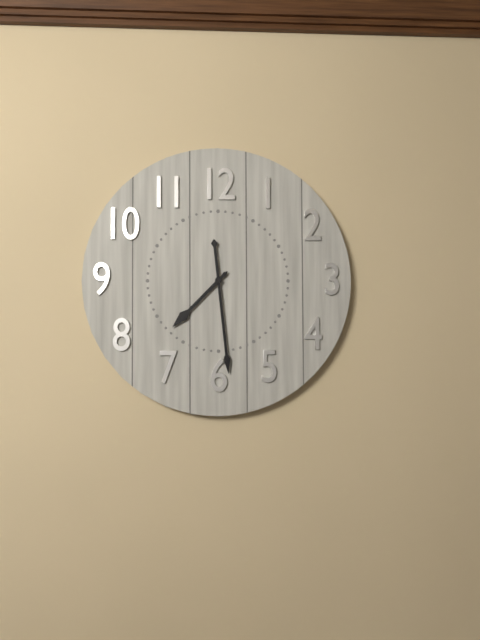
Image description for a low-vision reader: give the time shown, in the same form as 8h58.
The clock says 7h29
